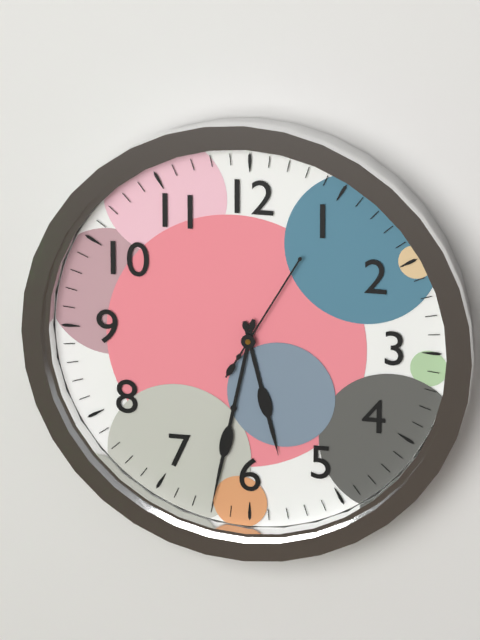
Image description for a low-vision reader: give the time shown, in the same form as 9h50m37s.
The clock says 5h32m05s
